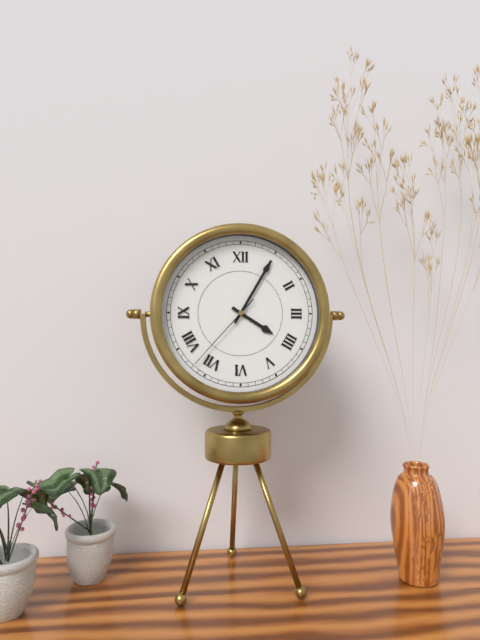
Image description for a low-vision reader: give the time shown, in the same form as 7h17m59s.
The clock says 4h05m37s
